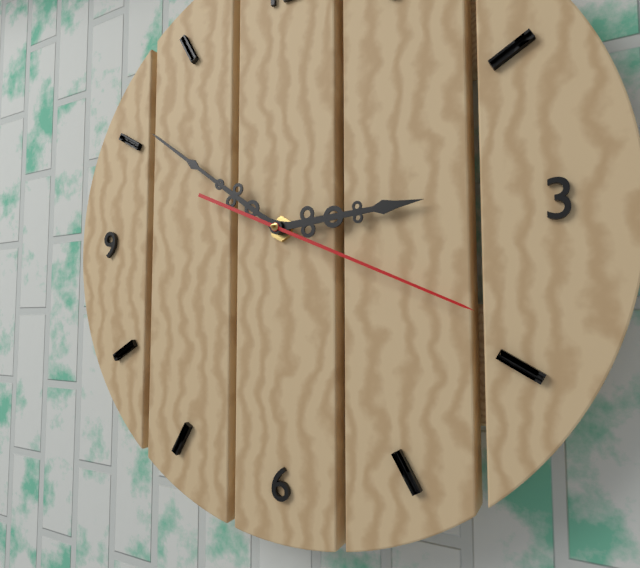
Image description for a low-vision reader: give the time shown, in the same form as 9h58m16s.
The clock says 2h51m19s
